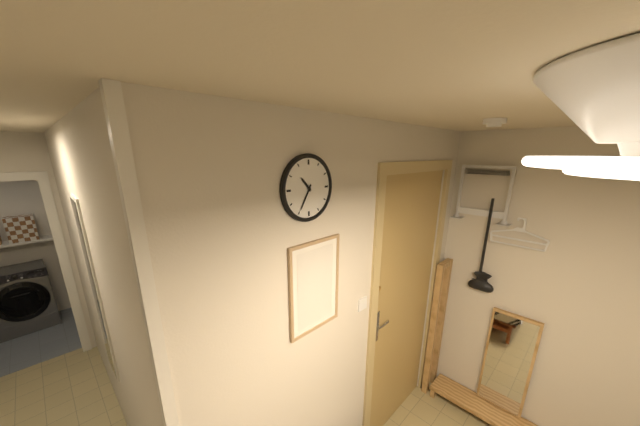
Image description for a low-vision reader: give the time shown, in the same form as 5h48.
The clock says 10h35
